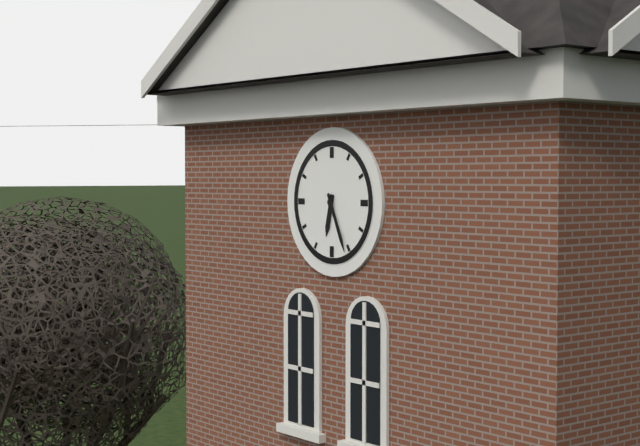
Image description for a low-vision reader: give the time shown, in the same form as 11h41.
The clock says 6h26
